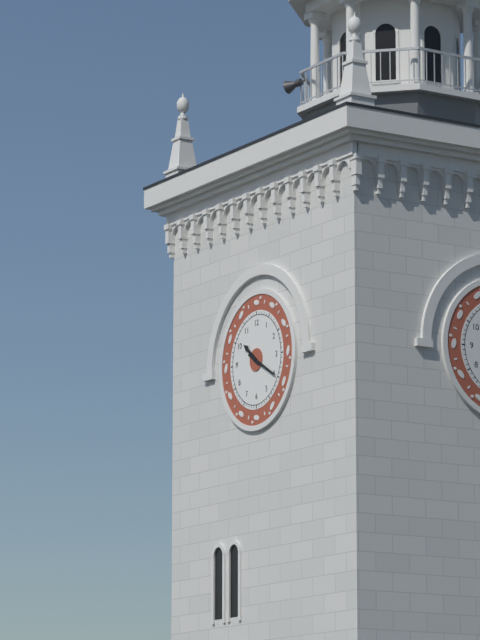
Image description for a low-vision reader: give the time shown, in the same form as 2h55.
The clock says 10h20
